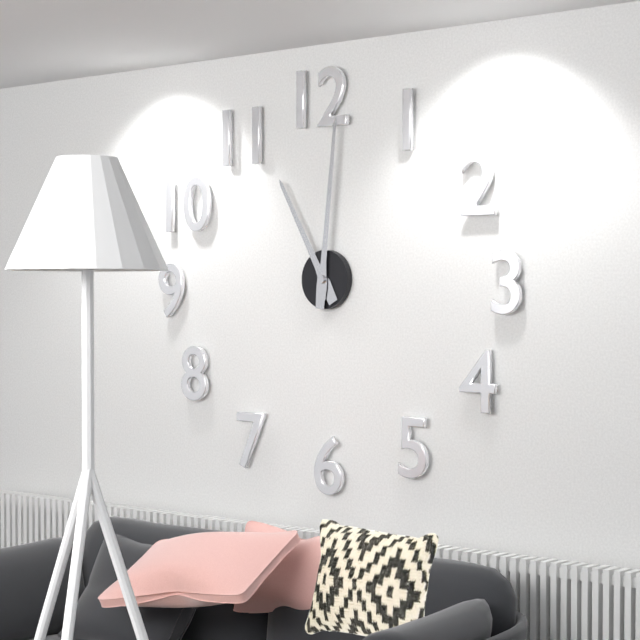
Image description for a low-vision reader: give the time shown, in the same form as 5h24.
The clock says 11h01
